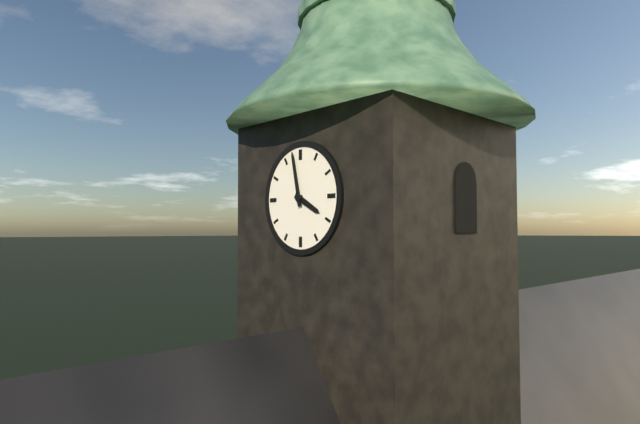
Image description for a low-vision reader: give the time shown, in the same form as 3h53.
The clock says 3h58
